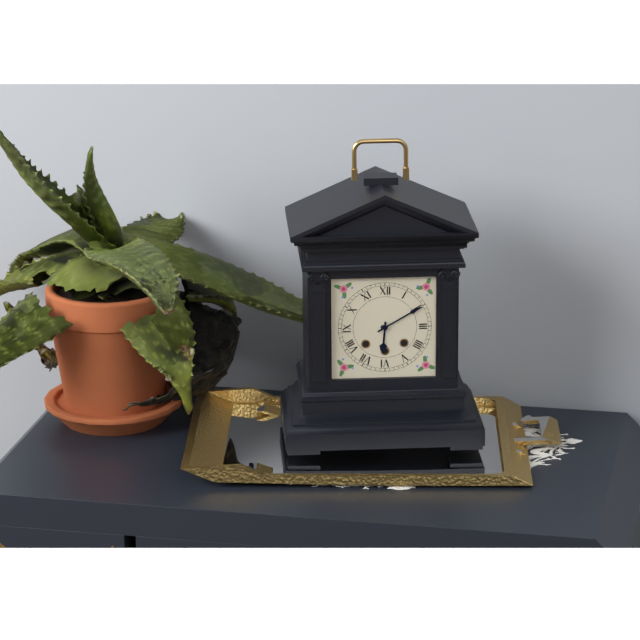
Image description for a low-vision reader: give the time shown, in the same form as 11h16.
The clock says 6h10
